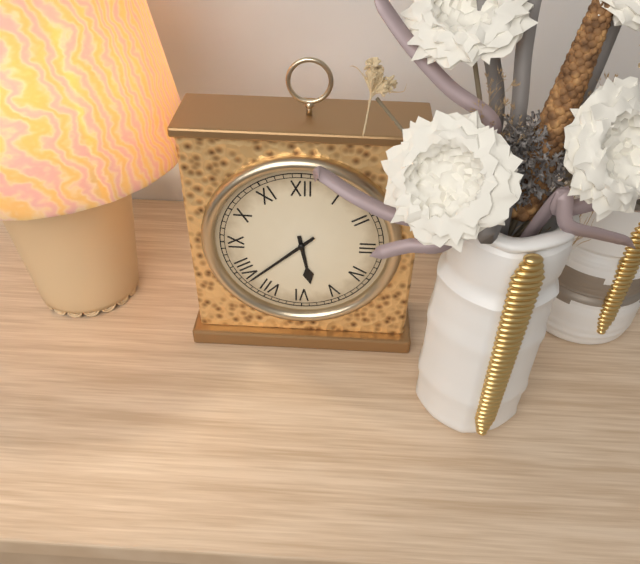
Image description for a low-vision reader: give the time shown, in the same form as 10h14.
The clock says 5h38
